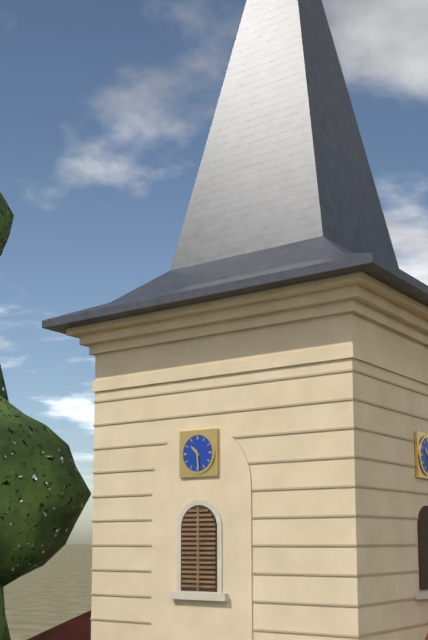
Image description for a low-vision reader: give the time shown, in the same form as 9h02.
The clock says 10h29
